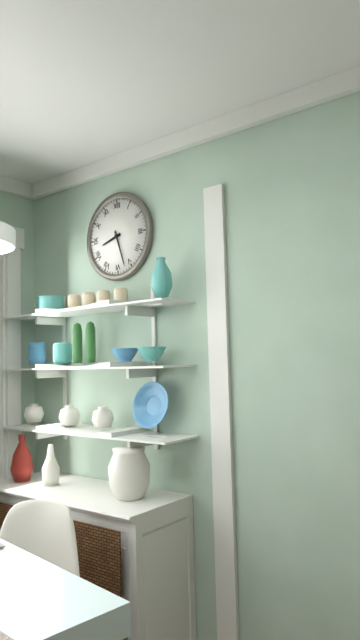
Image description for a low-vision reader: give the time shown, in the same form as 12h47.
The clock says 8h27
